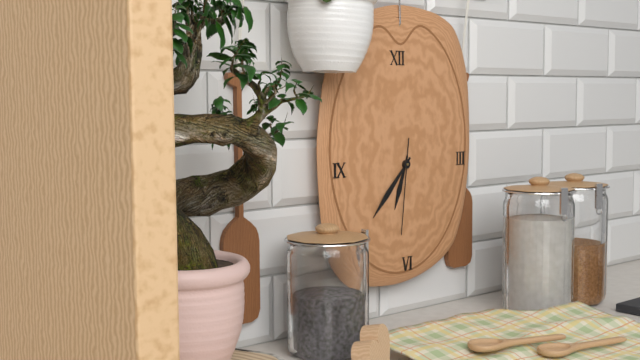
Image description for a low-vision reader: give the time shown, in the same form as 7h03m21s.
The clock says 6h37m31s
